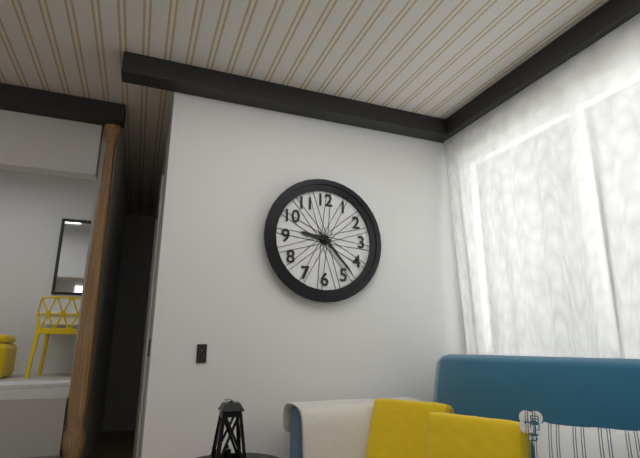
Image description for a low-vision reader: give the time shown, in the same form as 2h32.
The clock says 9h23
